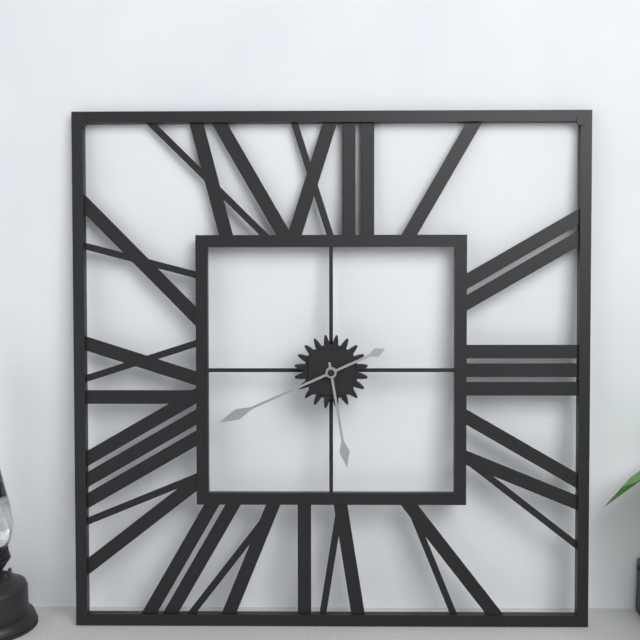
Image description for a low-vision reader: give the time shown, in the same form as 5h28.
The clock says 5h41
